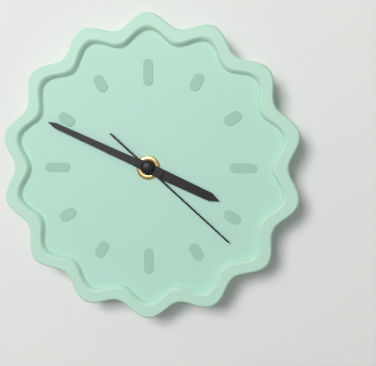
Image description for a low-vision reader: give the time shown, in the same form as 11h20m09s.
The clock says 3h49m22s
